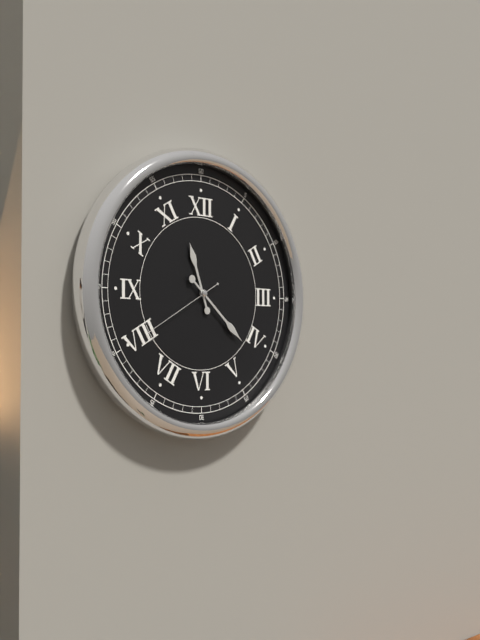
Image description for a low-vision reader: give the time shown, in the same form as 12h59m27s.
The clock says 11h22m40s
